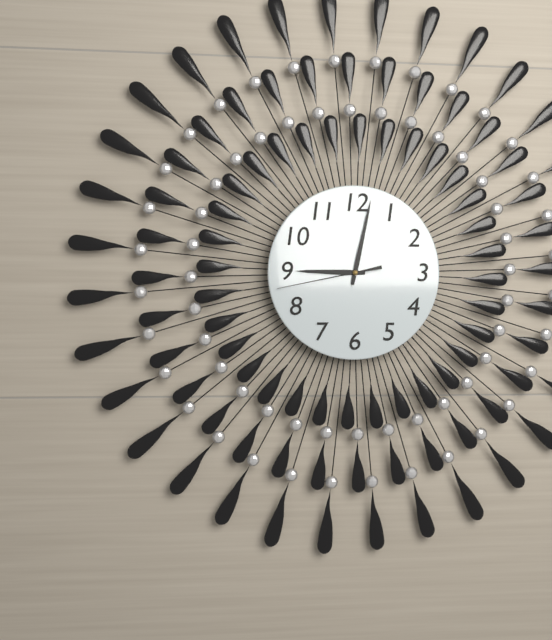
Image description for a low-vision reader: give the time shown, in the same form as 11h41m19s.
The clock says 9h02m43s
